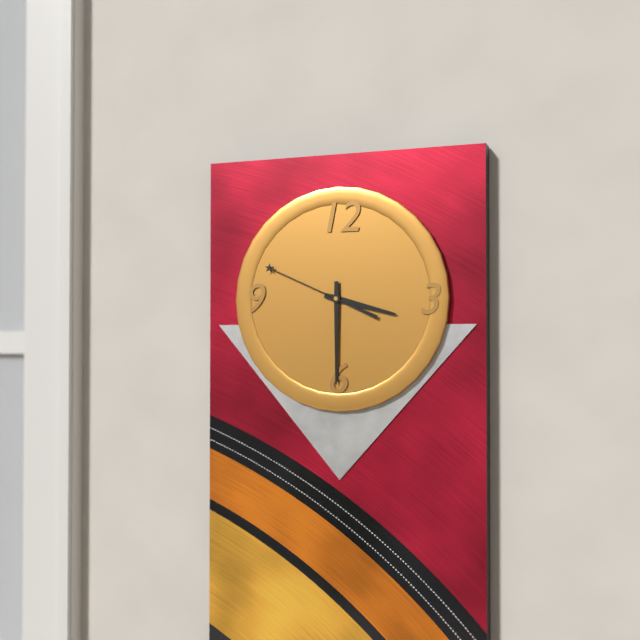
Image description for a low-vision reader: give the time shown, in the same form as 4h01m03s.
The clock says 3h30m49s
